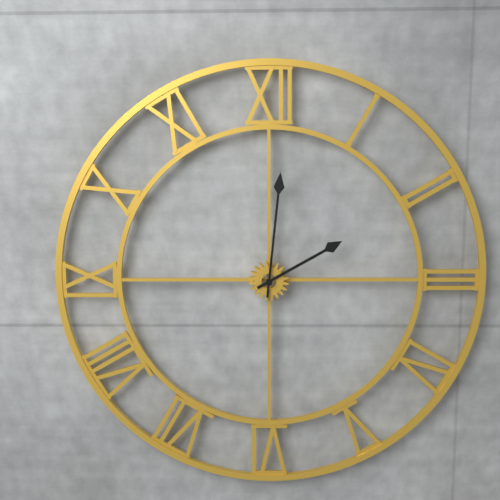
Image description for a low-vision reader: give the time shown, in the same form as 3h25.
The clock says 2h01
